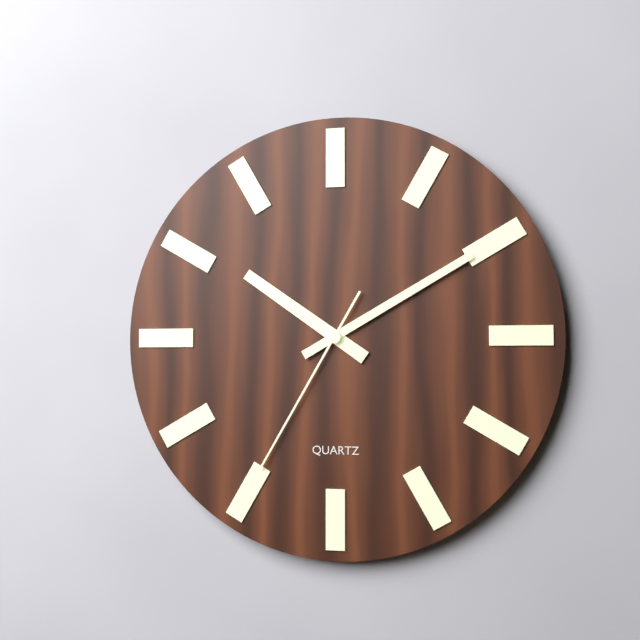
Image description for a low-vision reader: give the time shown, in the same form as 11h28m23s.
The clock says 10h10m35s
